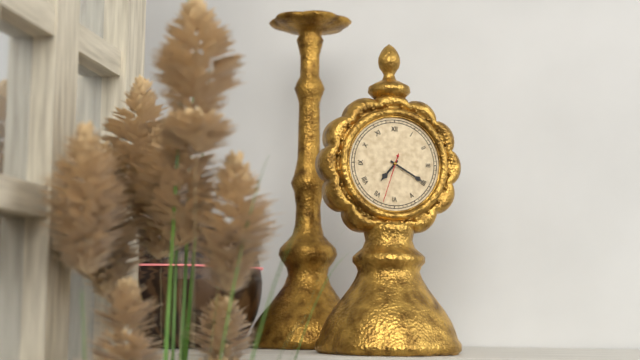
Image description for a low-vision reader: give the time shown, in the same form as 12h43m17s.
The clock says 7h20m33s
